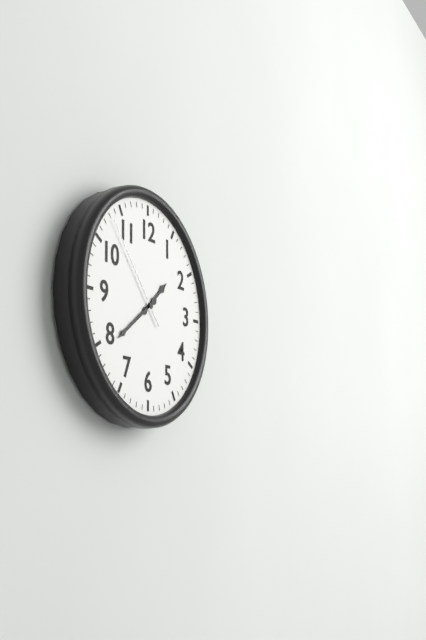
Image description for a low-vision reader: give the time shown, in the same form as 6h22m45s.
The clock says 1h39m53s
